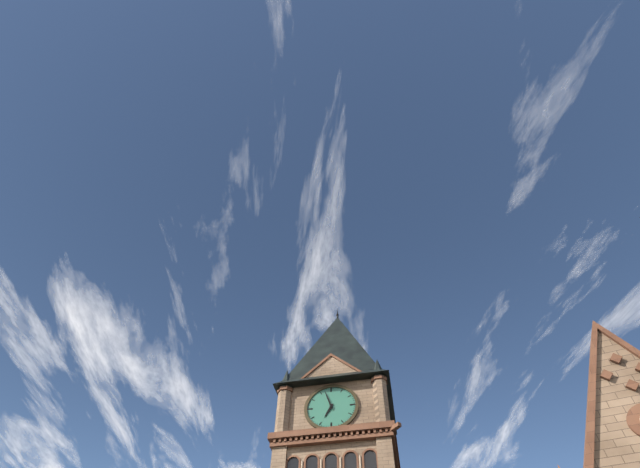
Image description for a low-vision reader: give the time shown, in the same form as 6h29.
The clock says 6h57
